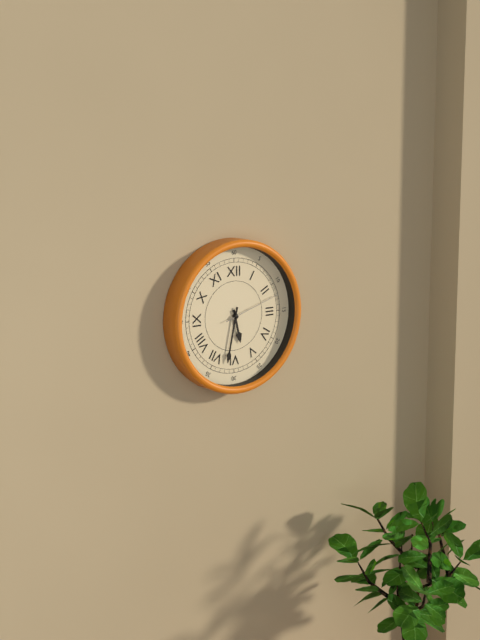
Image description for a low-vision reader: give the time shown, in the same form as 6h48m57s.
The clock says 5h32m12s
